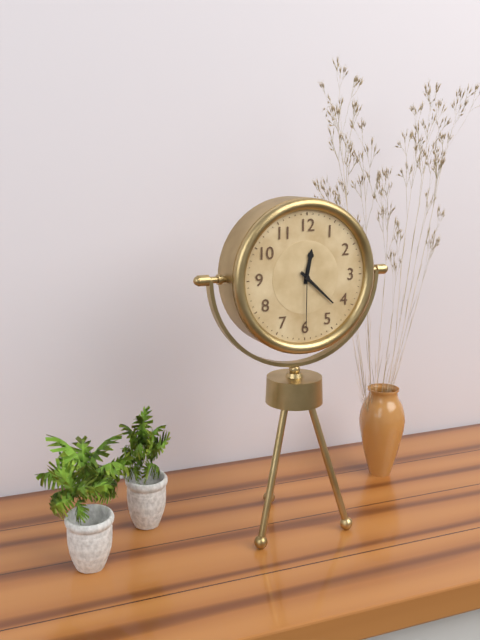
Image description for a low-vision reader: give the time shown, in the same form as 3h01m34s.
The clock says 12h22m30s
